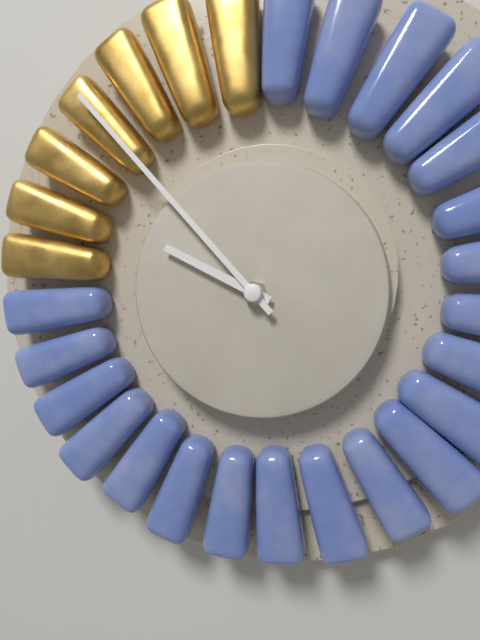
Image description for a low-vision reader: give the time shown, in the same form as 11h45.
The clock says 9h53
